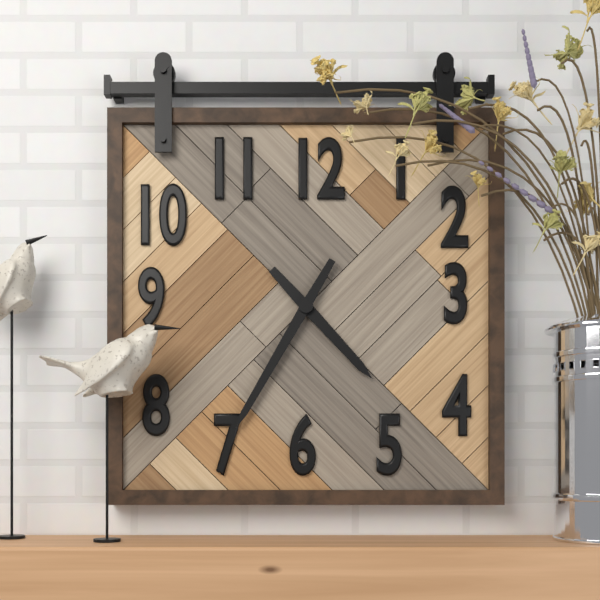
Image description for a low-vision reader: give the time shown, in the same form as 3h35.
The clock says 4h35
